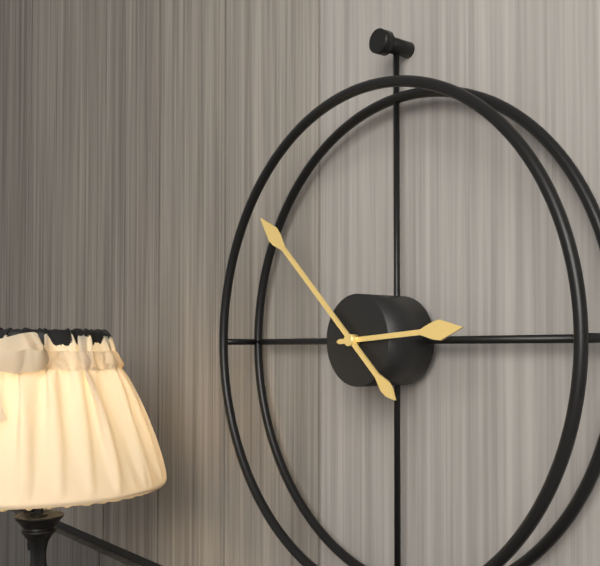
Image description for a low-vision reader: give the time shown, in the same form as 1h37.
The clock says 2h52
